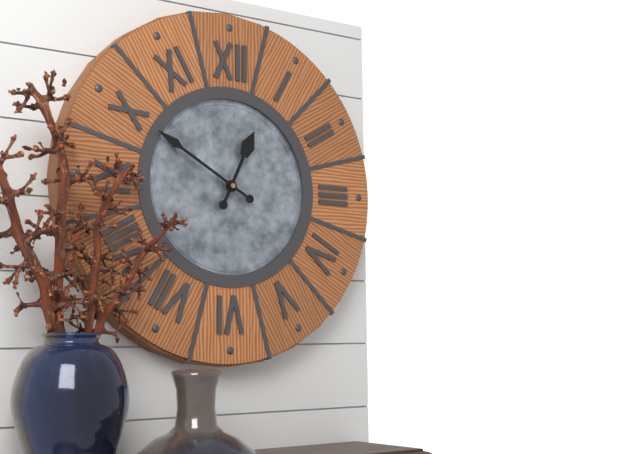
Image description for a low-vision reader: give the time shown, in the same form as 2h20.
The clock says 12h50
